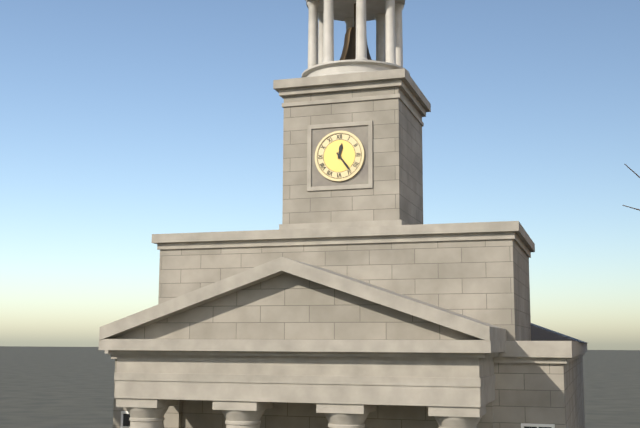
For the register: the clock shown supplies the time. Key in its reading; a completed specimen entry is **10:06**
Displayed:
**12:24**
